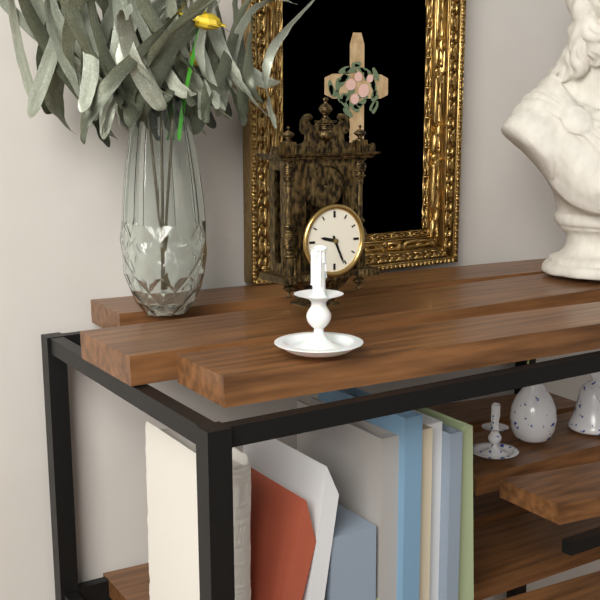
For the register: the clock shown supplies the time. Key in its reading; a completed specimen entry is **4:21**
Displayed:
**9:26**
